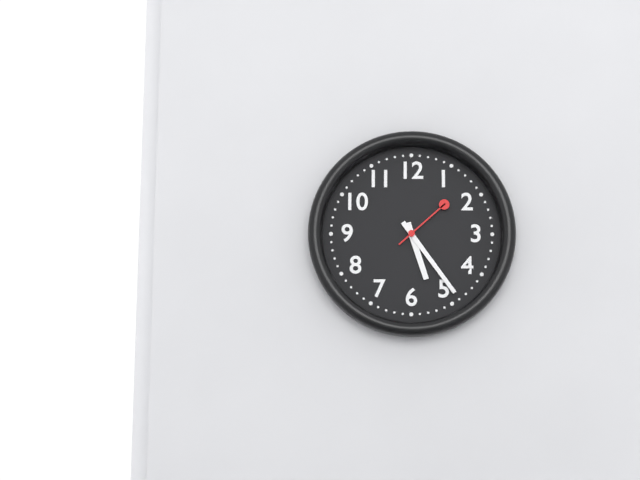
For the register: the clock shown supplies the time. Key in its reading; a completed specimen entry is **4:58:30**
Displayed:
**5:24:08**
